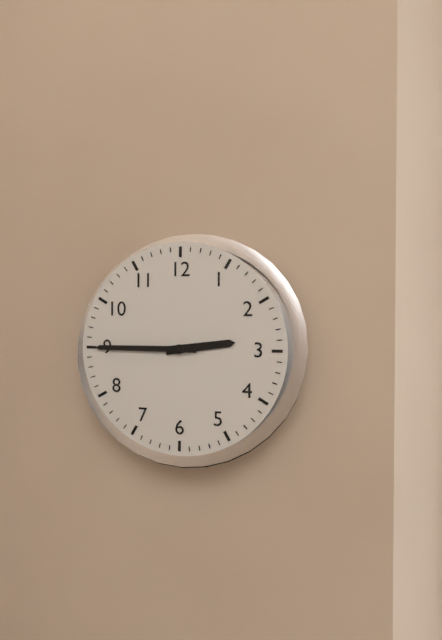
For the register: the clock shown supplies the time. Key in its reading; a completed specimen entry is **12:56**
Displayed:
**2:45**
